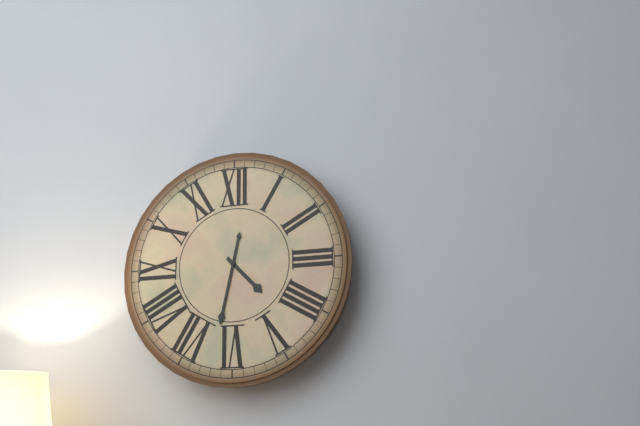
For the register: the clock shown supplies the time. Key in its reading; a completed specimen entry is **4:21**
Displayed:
**4:32**
